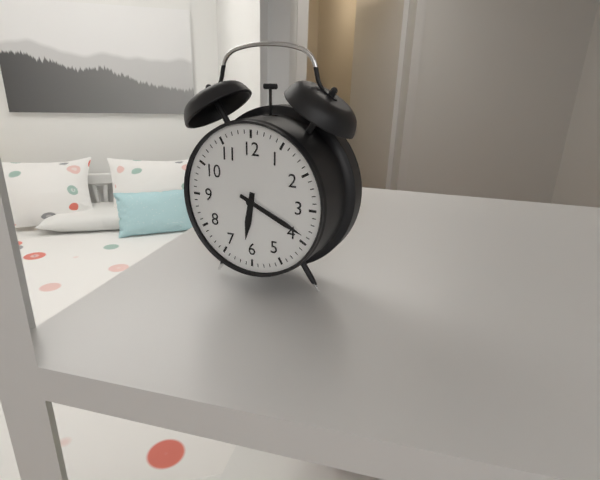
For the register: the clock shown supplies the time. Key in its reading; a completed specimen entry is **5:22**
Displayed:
**6:19**
